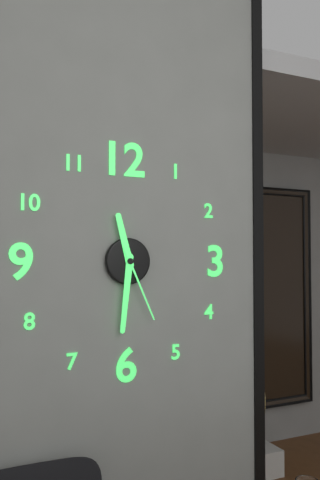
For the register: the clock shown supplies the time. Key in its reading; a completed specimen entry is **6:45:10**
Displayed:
**11:31:26**
